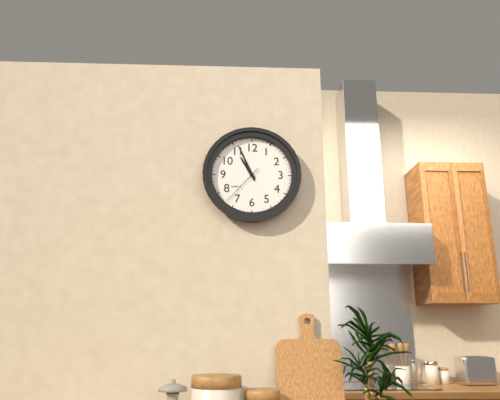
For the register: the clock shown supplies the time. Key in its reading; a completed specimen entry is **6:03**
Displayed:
**10:56**
